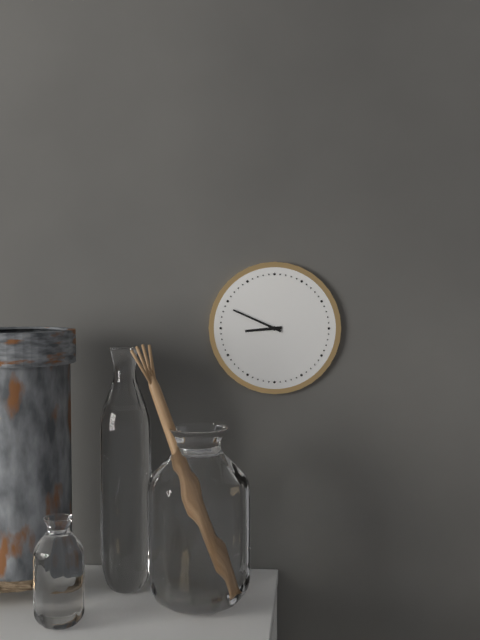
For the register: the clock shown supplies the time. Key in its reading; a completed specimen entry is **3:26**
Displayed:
**8:49**
